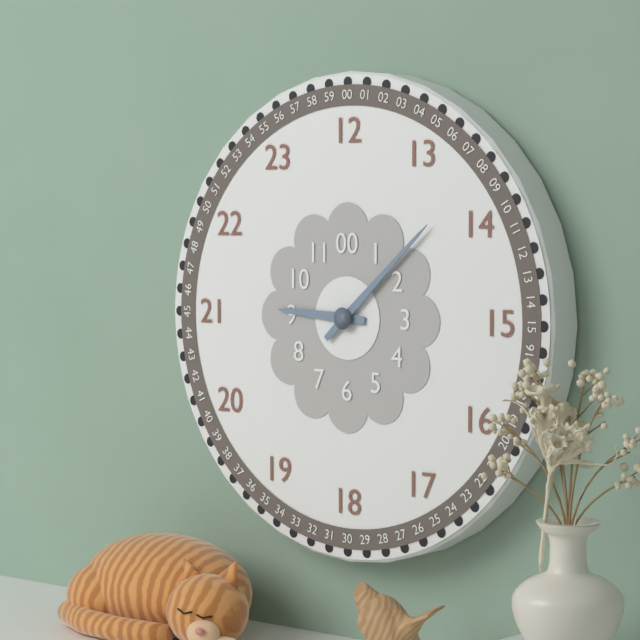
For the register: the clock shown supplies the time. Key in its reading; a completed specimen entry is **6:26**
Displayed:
**9:08**
